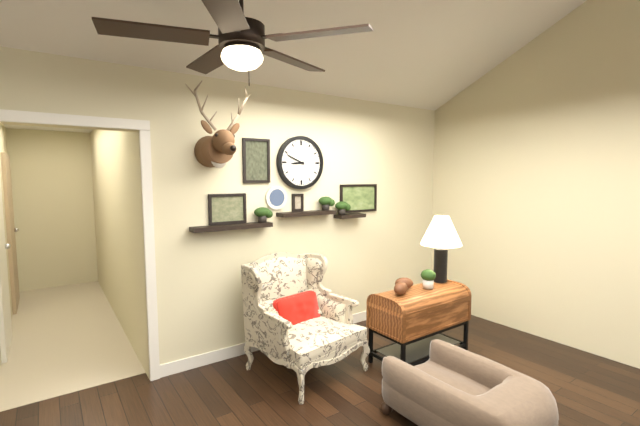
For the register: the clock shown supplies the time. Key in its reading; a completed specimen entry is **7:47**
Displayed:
**8:49**
